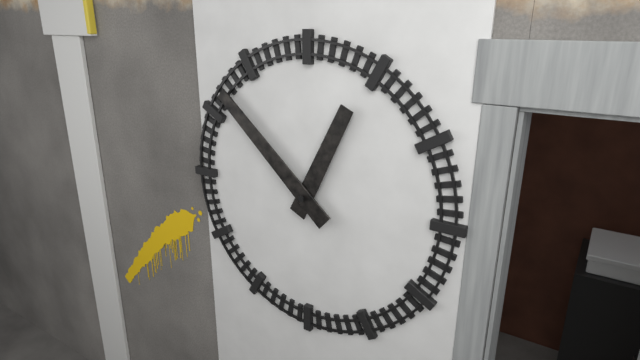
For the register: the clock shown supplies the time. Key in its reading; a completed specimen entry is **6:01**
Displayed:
**12:52**
